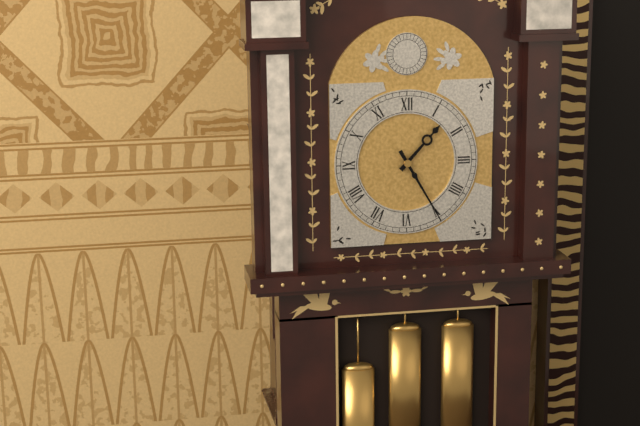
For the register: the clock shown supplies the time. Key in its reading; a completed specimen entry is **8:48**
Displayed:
**1:25**
